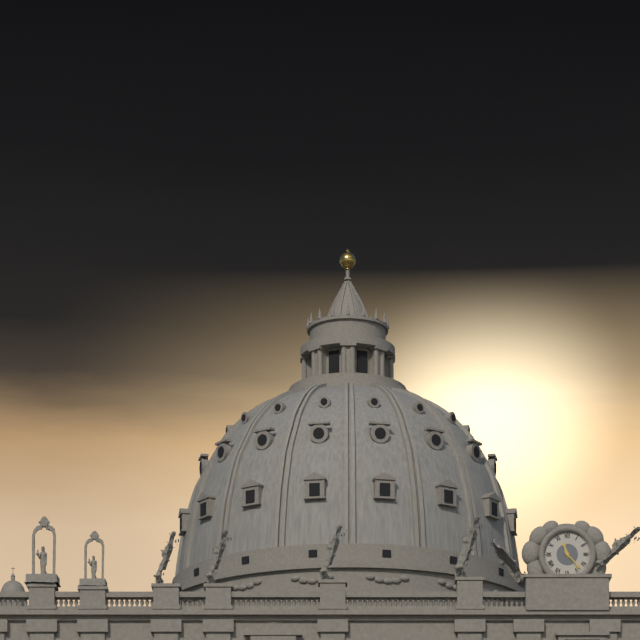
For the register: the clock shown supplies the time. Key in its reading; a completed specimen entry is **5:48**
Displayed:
**11:23**
